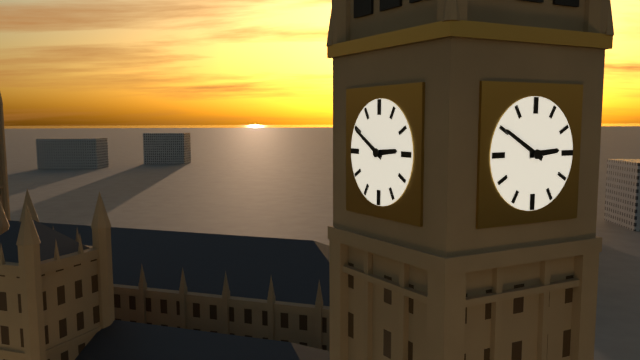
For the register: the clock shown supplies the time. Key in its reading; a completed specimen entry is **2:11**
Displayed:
**2:50**
